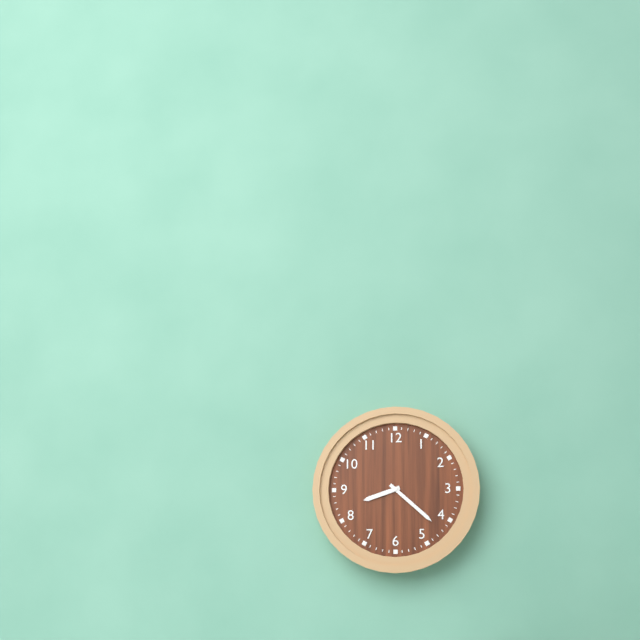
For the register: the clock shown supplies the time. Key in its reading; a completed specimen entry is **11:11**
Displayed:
**8:22**
